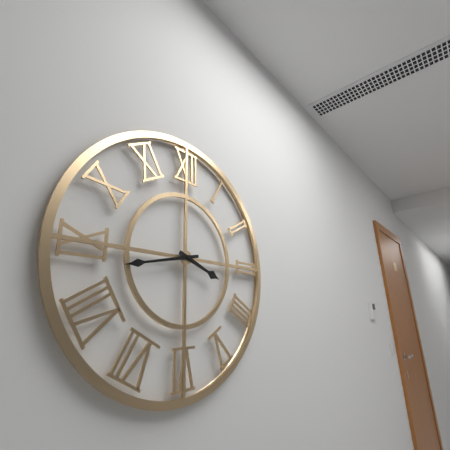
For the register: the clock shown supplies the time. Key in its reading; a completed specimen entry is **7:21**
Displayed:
**3:43**
